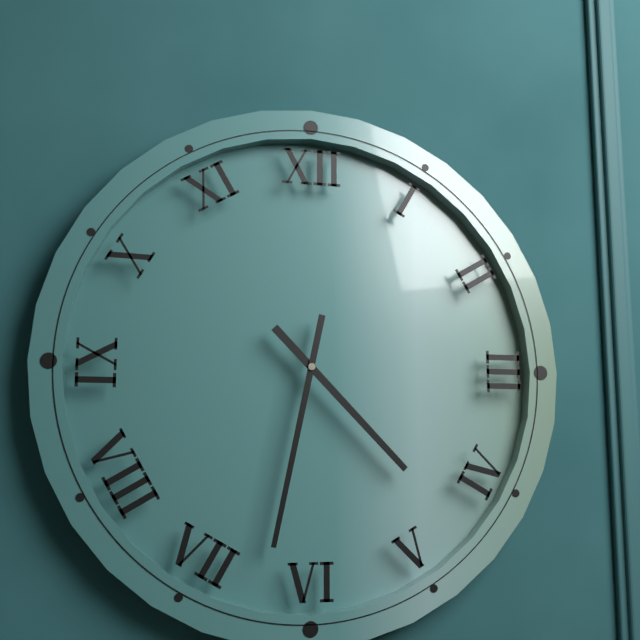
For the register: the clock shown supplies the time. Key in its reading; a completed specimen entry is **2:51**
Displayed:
**4:32**
